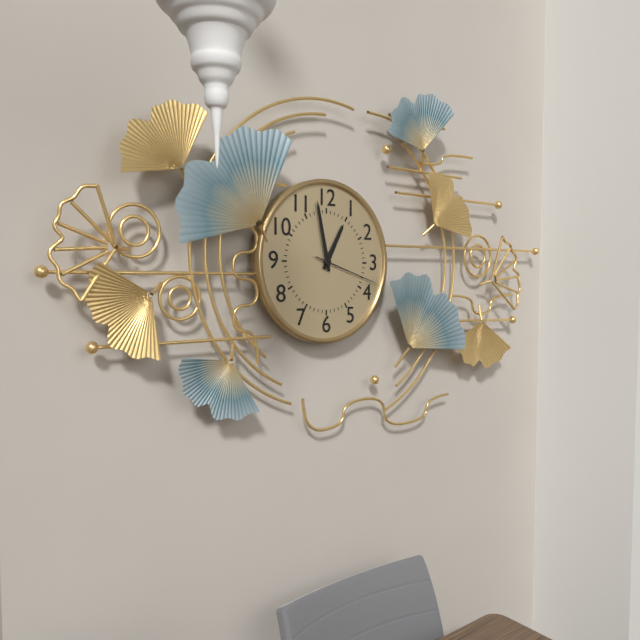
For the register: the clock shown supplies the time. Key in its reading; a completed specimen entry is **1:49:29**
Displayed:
**12:58:18**
